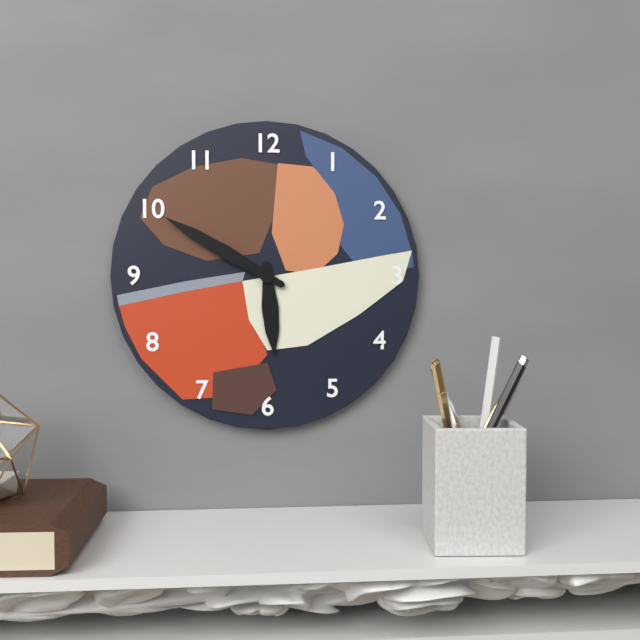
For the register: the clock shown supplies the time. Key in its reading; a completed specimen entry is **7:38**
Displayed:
**5:50**
